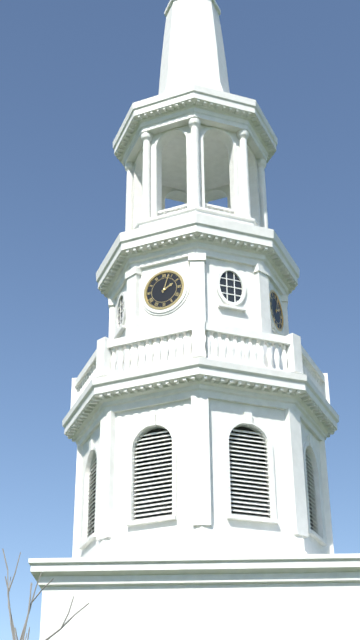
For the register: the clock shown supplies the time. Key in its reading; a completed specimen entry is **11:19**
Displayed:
**2:03**
